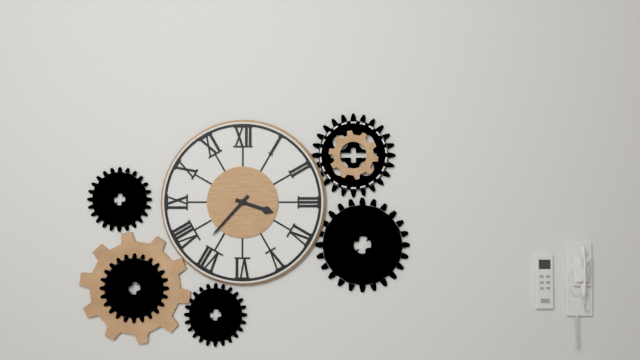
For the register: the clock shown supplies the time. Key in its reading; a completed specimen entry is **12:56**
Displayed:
**3:37**
